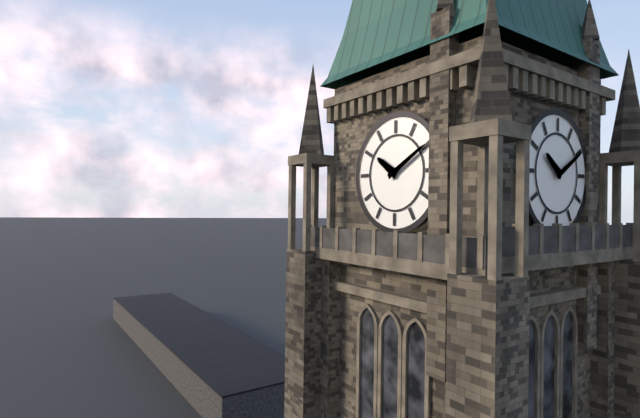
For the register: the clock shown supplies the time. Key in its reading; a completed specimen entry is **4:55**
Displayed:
**10:10**
